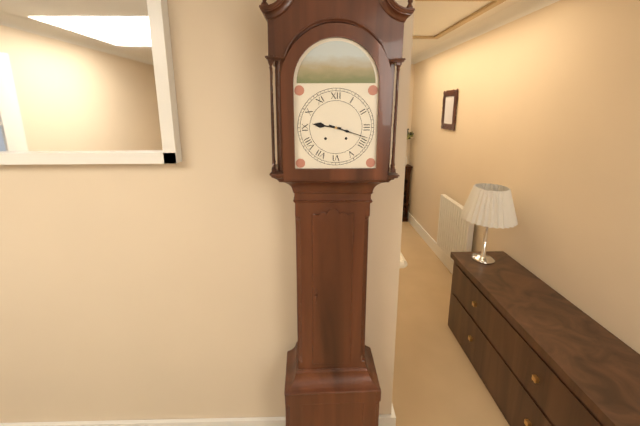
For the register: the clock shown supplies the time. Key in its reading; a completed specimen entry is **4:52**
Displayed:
**9:18**
